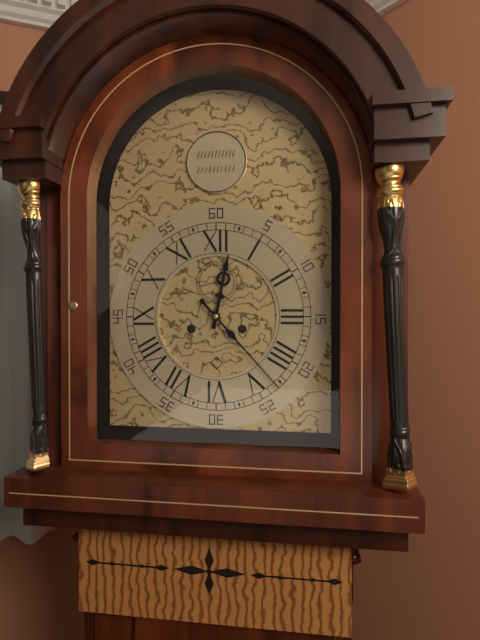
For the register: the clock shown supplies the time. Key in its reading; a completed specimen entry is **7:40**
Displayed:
**12:23**
